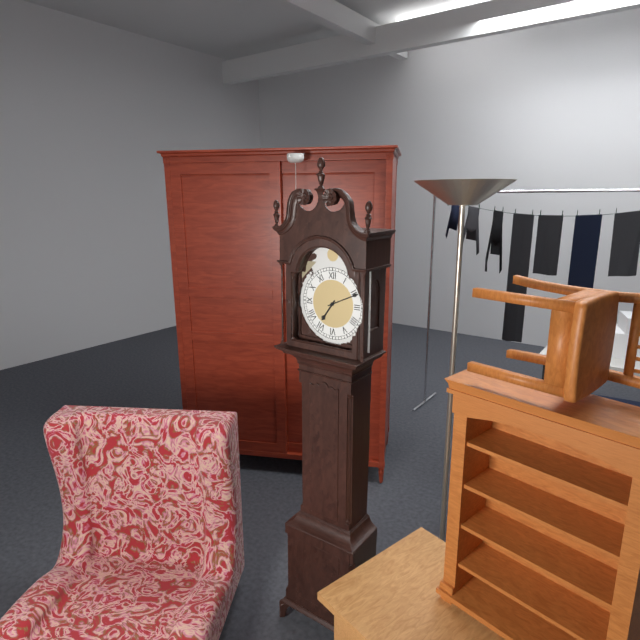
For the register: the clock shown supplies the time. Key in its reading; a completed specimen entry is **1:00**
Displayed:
**7:11**
